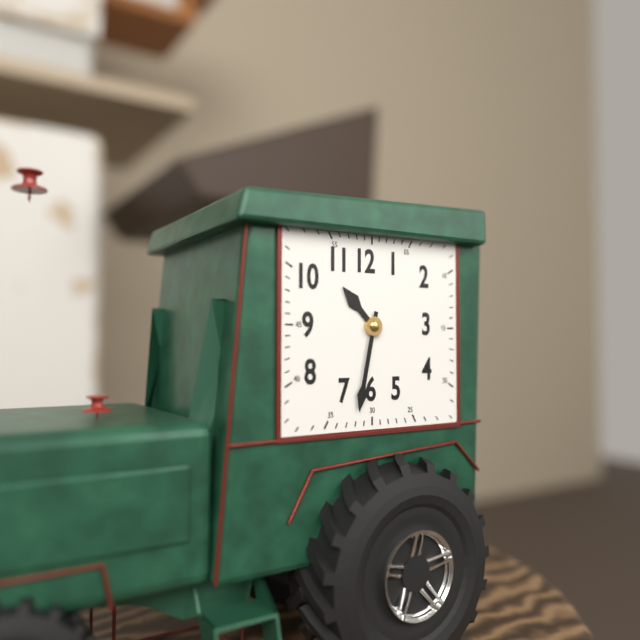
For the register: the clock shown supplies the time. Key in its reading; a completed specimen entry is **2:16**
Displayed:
**10:32**
